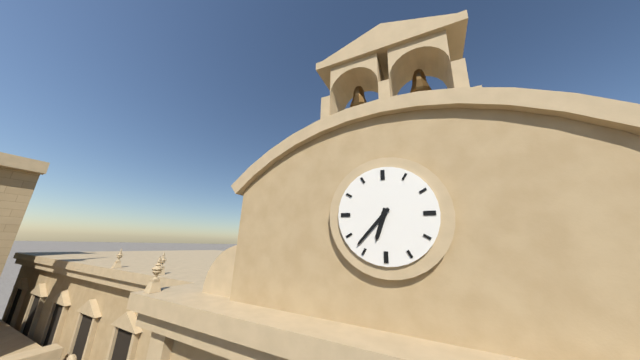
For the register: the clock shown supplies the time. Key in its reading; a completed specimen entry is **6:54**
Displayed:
**6:37**
